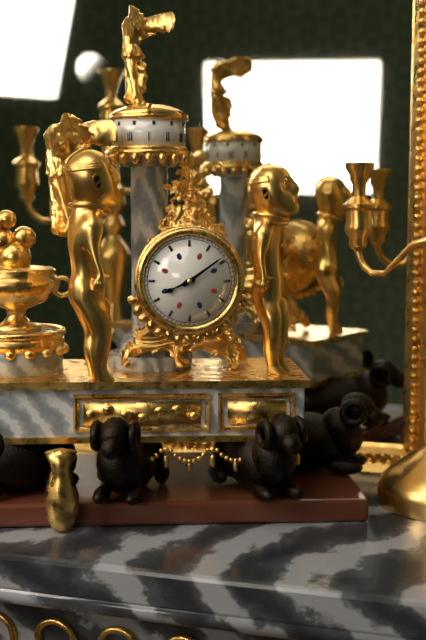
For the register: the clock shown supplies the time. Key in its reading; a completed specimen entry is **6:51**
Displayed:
**8:09**
